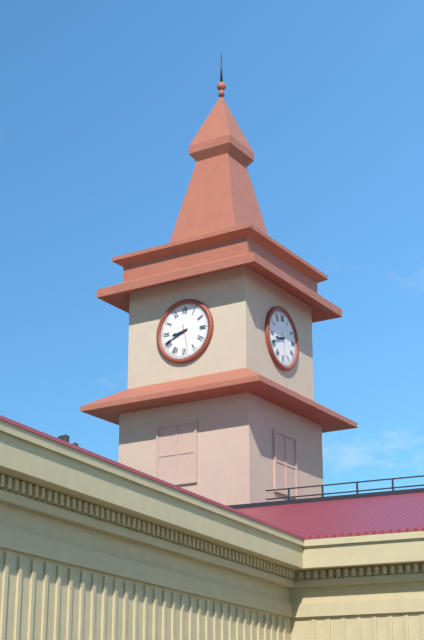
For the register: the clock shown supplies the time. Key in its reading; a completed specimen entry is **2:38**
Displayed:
**8:41**
